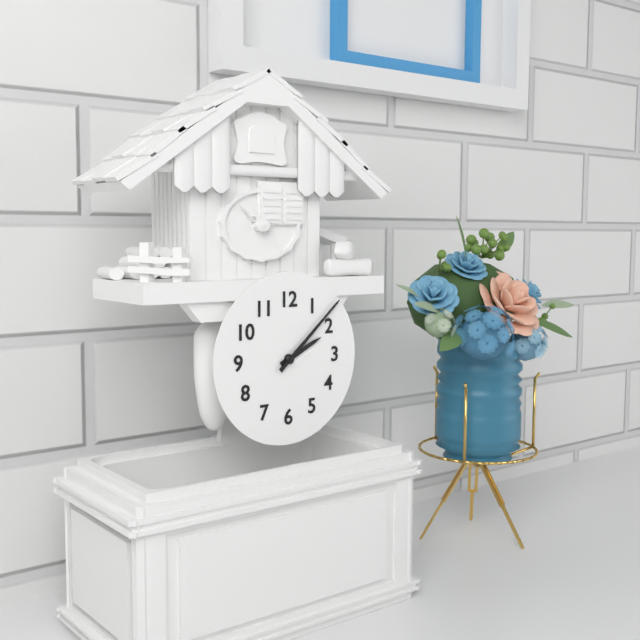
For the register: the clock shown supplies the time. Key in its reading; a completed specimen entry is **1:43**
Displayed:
**2:08**
